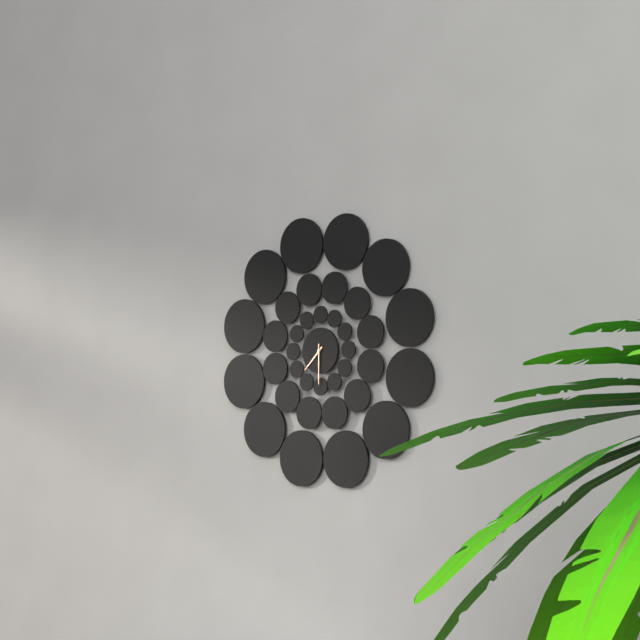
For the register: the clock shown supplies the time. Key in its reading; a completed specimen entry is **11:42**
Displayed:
**7:30**
